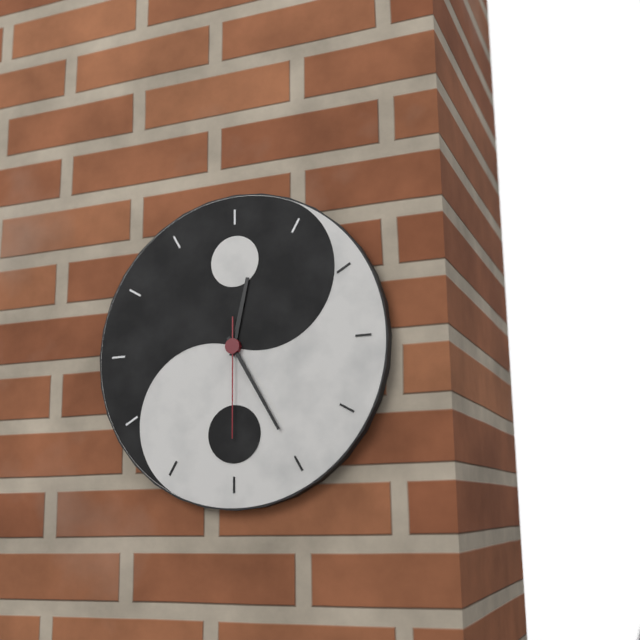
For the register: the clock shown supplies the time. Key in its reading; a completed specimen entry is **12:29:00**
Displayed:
**12:25:30**
